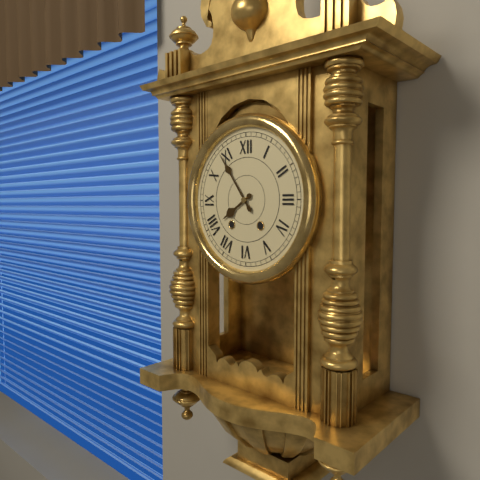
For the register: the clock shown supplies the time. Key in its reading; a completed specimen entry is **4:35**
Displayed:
**7:54**
